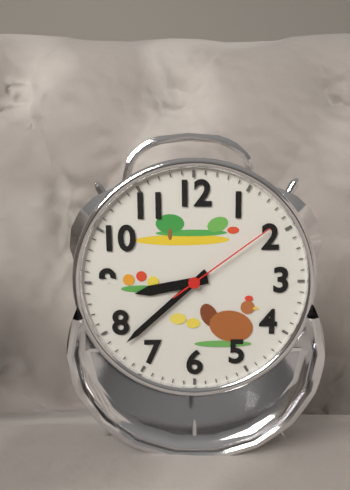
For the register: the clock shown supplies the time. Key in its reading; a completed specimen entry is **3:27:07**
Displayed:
**8:38:09**
